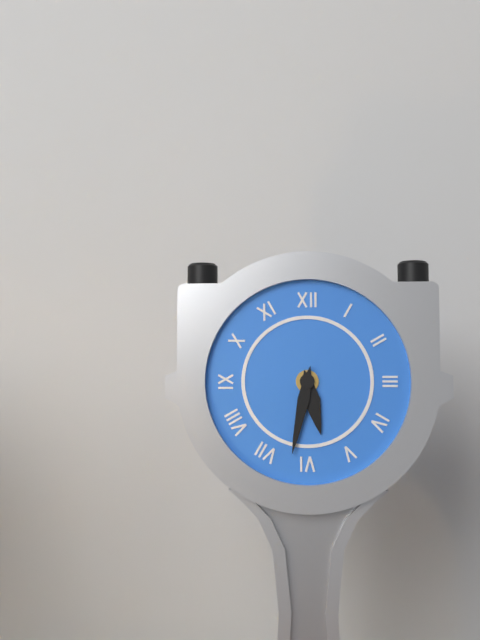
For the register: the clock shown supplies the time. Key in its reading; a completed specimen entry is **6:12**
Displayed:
**5:32**
